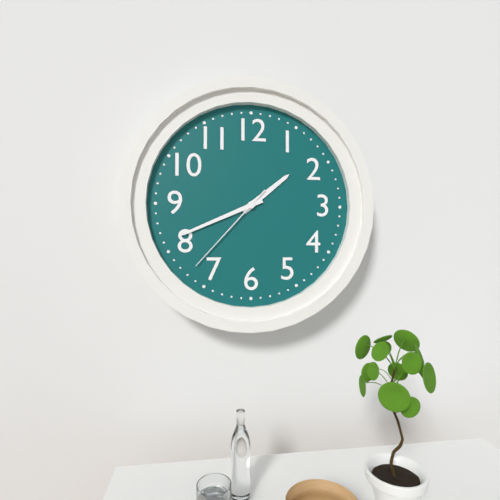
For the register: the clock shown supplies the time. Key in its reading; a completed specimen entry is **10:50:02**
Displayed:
**1:41:37**
